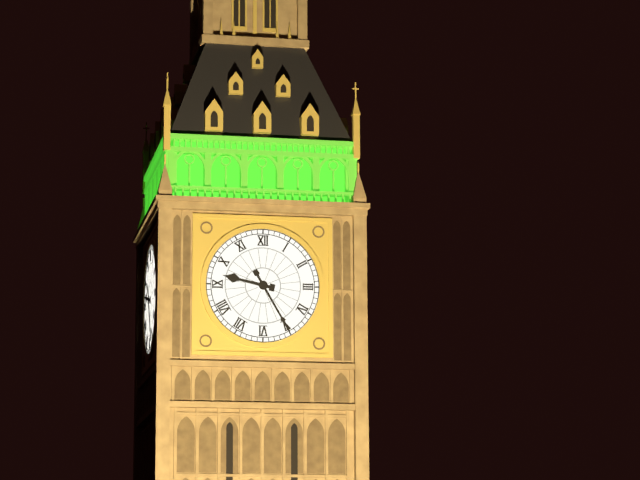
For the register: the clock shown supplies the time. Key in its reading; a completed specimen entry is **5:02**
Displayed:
**9:25**
